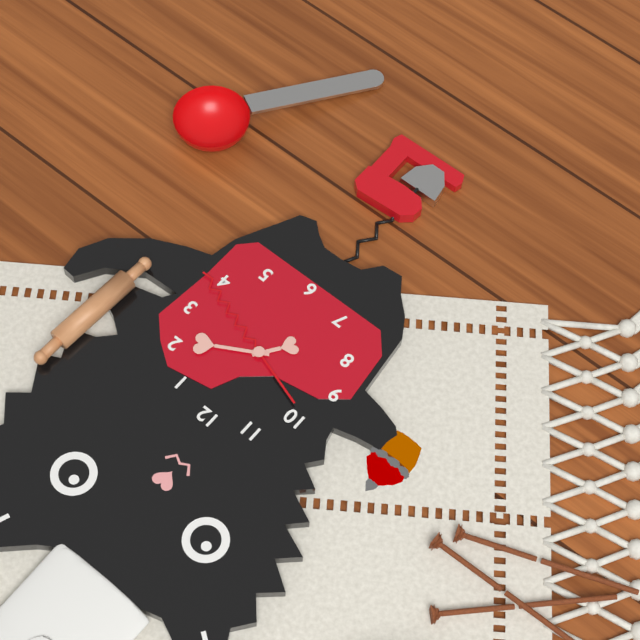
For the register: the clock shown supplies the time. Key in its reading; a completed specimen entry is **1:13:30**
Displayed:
**7:10:18**
